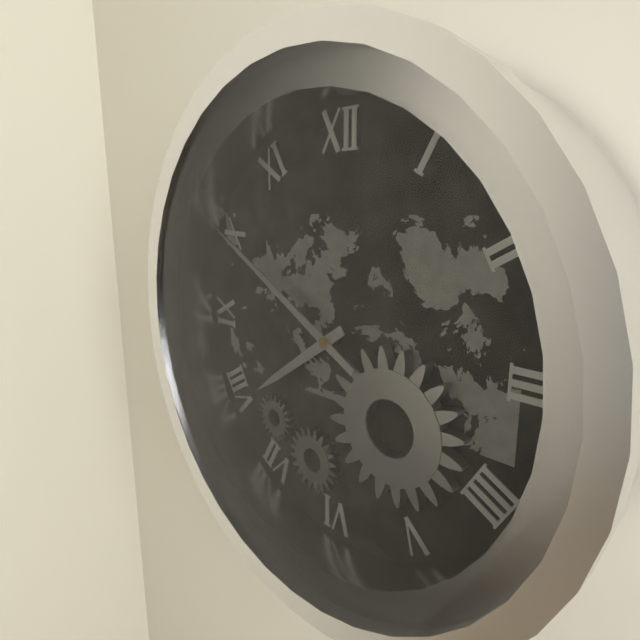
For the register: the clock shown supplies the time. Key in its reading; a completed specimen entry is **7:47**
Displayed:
**7:50**
